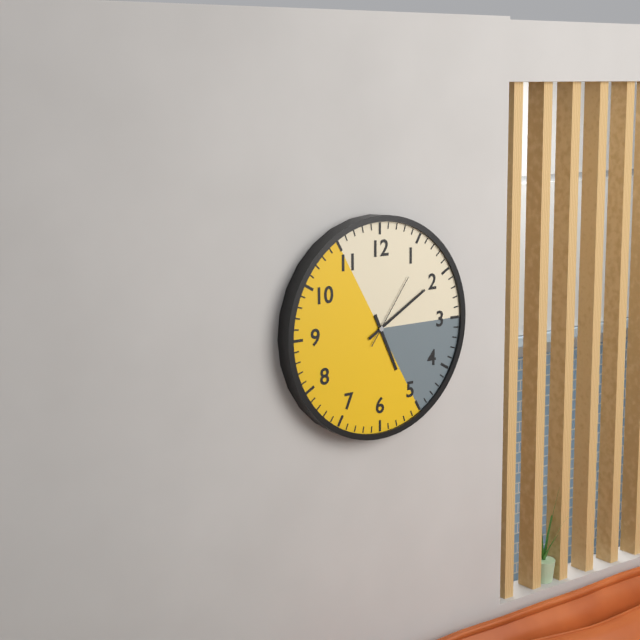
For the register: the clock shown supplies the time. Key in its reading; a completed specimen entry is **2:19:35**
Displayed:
**5:10:06**
